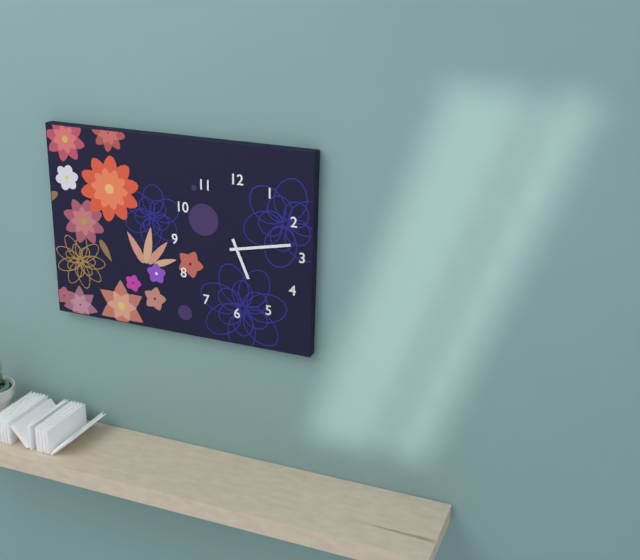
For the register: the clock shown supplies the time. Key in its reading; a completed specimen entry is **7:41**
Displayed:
**5:13**
